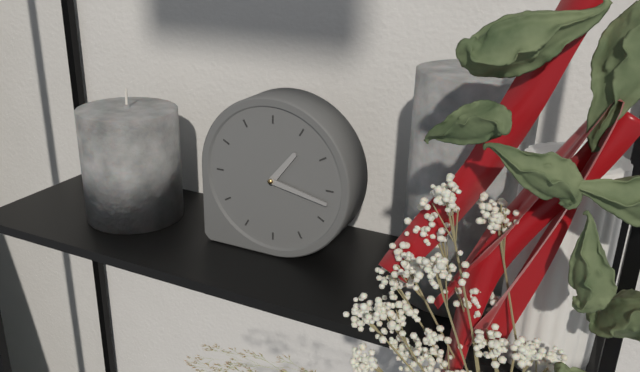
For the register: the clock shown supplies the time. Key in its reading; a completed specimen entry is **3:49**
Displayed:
**1:17**
